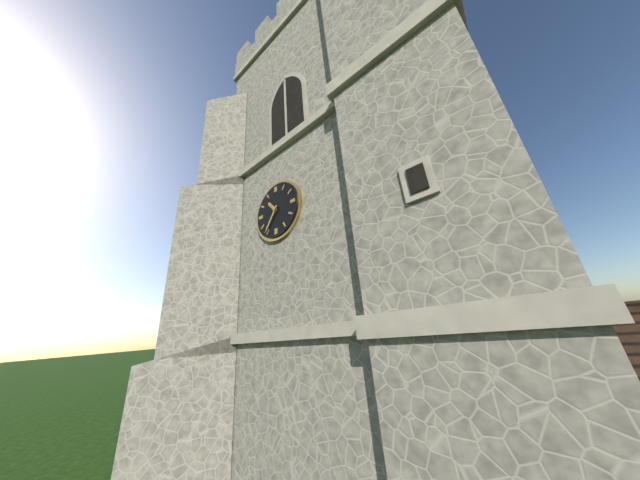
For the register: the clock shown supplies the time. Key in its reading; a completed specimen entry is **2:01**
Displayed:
**10:36**
